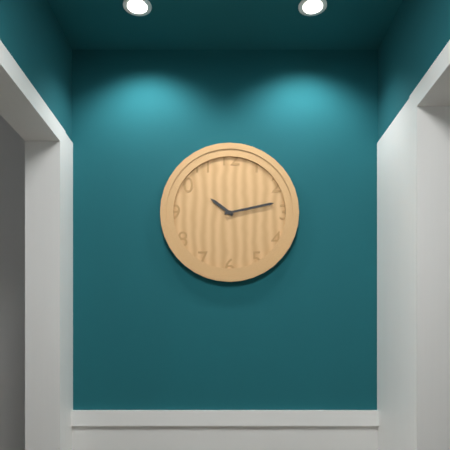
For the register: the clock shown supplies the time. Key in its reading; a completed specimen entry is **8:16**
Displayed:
**10:13**
